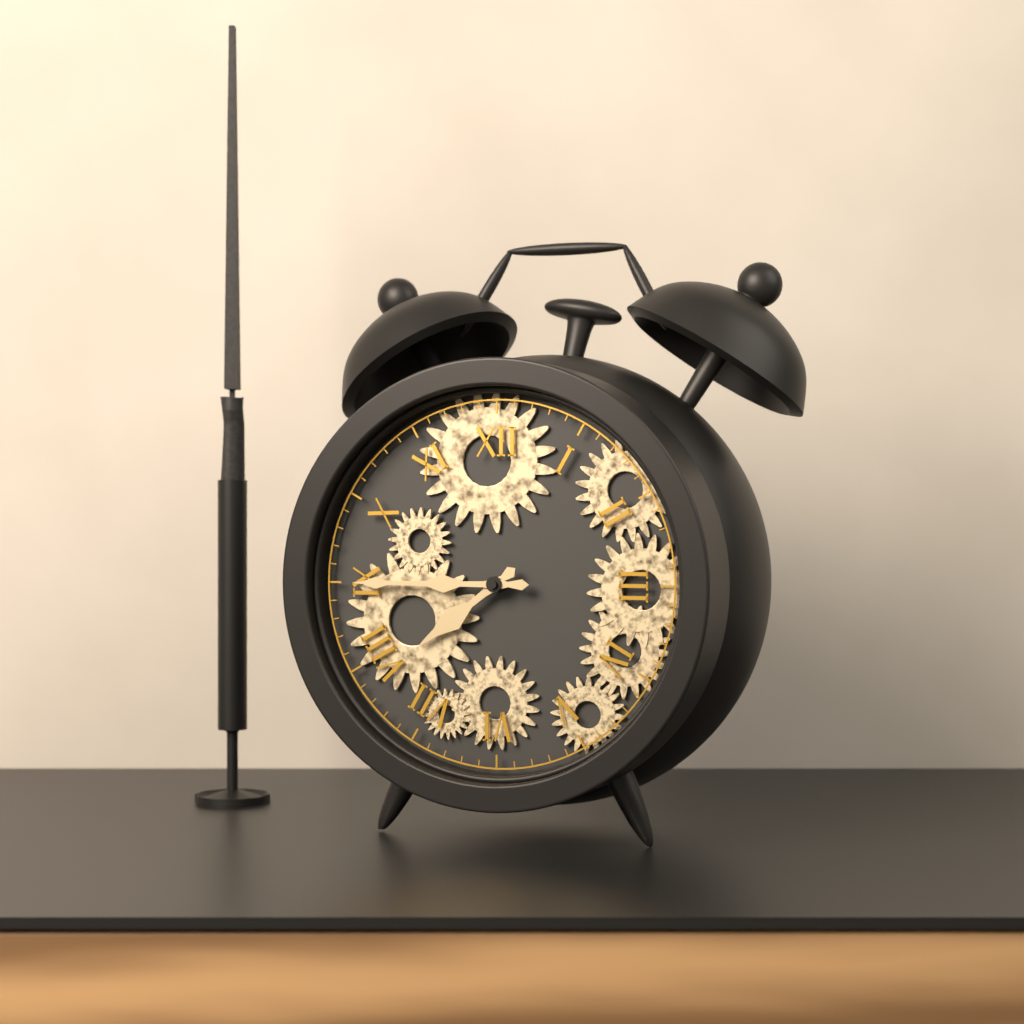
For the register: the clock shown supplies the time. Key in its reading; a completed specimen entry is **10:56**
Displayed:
**7:45**
